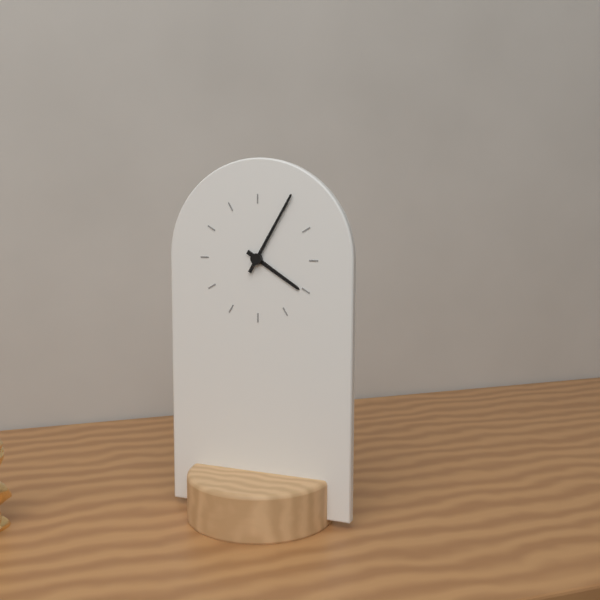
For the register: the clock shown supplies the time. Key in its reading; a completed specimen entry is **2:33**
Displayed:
**4:05**
